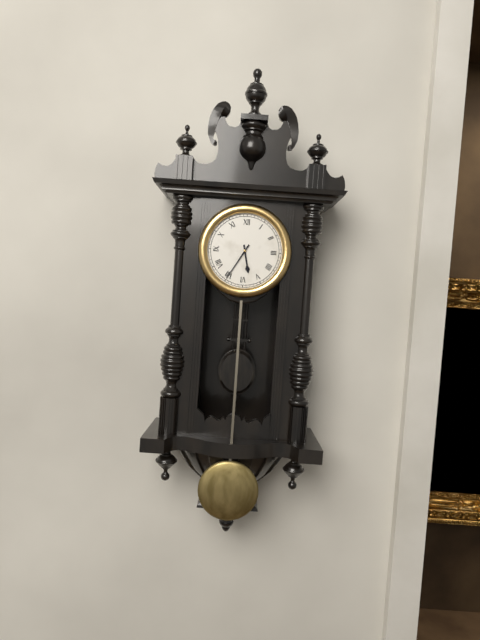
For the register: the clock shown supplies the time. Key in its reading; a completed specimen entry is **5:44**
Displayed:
**5:35**
